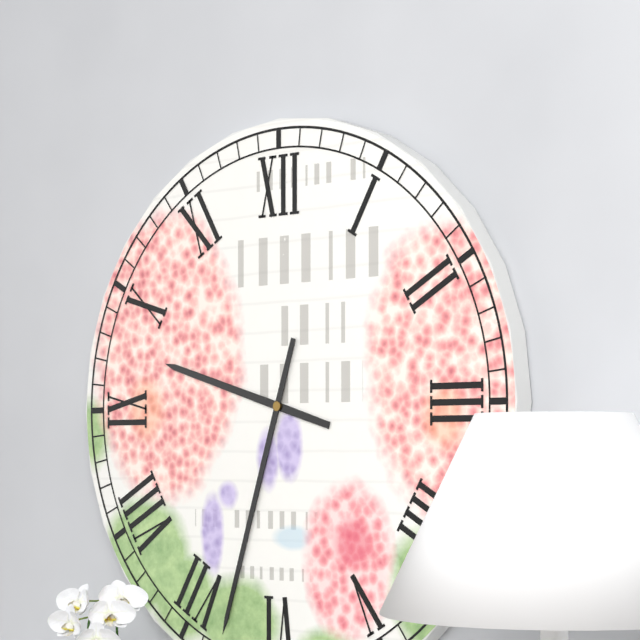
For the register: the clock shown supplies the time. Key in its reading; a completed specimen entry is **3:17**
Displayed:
**9:33**
